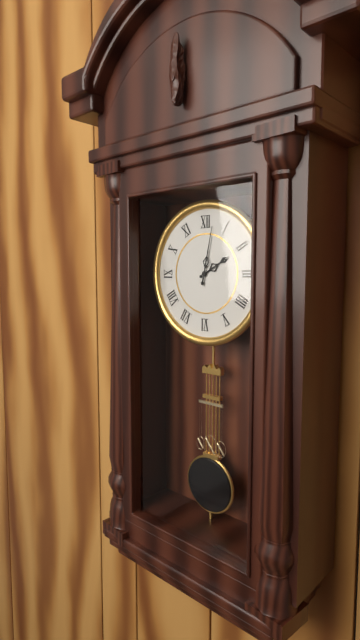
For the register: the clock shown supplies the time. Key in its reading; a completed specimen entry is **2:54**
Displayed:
**2:02**
